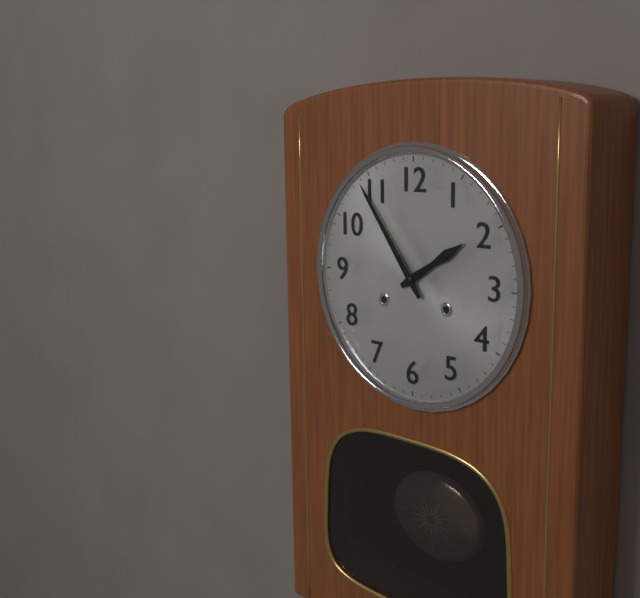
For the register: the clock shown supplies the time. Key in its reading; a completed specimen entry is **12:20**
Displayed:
**1:54**
